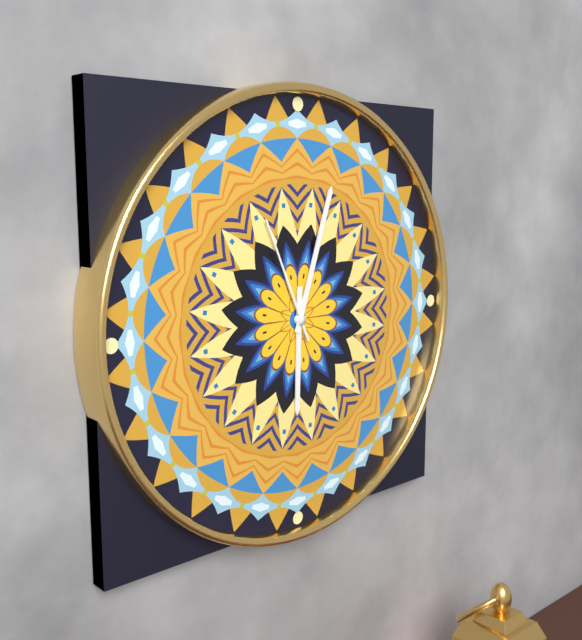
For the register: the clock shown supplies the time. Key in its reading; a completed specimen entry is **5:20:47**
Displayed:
**6:03:56**
